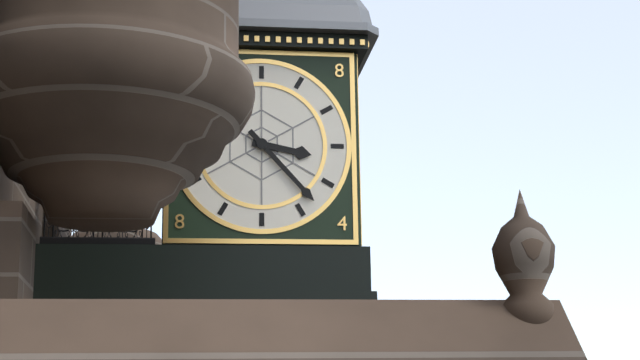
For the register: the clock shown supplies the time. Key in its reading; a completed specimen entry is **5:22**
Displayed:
**3:23**
